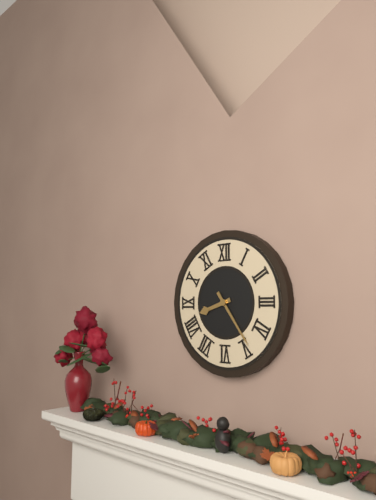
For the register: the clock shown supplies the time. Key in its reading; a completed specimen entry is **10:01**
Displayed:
**8:24**
